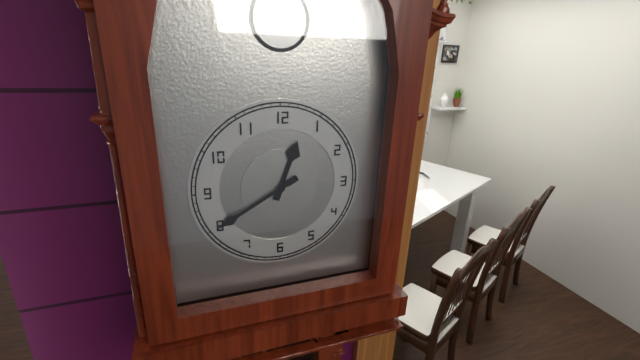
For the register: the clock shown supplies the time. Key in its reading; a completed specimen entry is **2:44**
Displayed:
**12:40**
